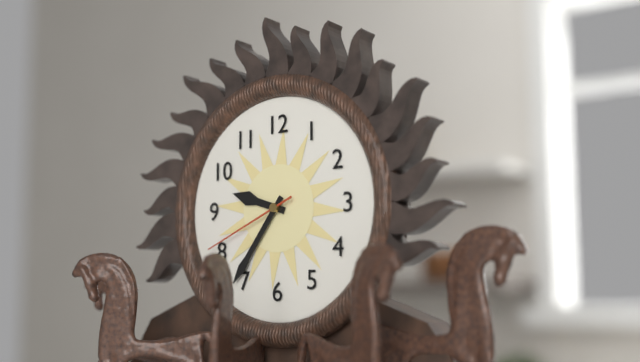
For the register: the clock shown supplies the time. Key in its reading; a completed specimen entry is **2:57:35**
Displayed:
**9:36:41**
